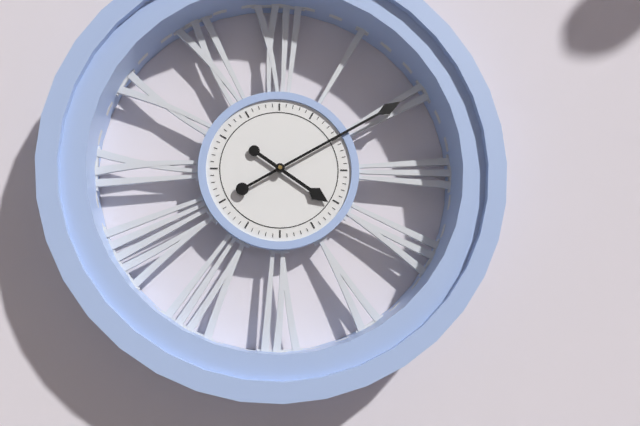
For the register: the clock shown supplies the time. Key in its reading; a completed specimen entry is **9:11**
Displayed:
**4:10**
